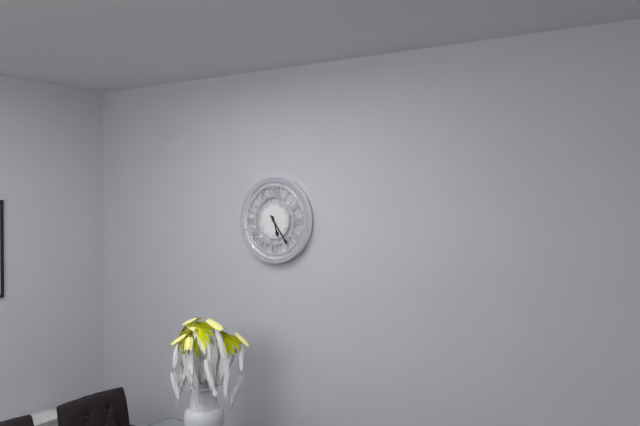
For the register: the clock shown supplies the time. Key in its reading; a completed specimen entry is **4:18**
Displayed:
**5:24**
